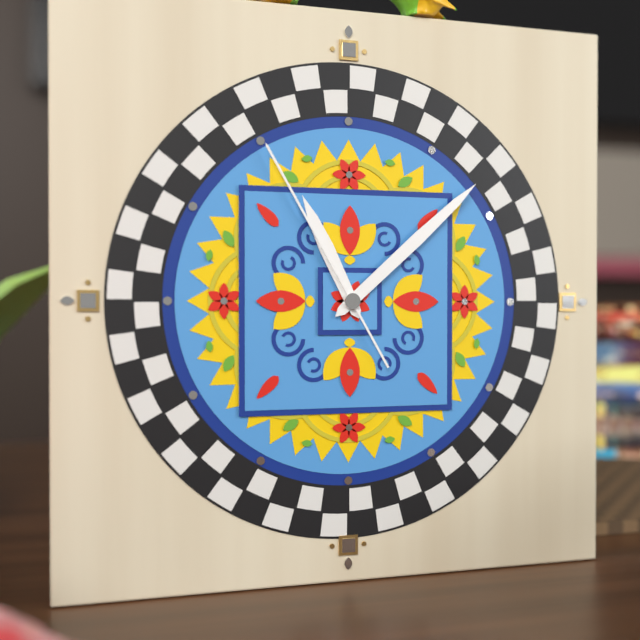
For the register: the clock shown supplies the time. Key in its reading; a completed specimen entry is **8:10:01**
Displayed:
**11:08:55**
